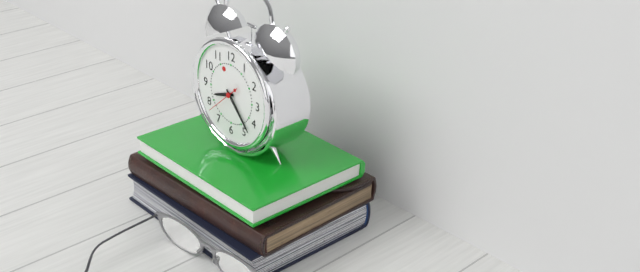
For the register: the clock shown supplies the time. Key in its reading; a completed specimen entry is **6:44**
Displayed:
**8:23**
